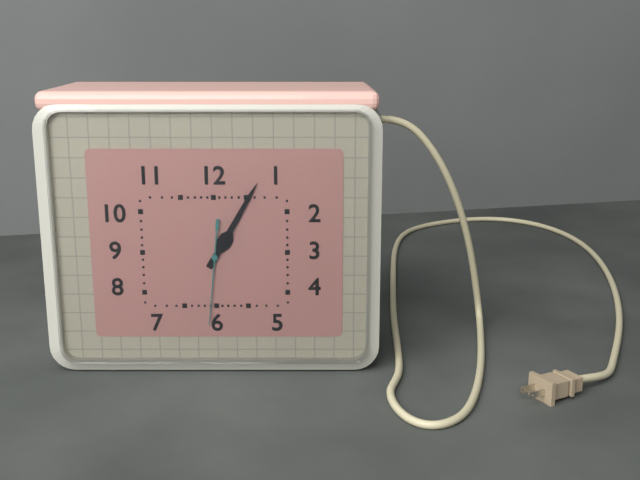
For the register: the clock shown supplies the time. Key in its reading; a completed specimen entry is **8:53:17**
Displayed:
**1:05:31**
